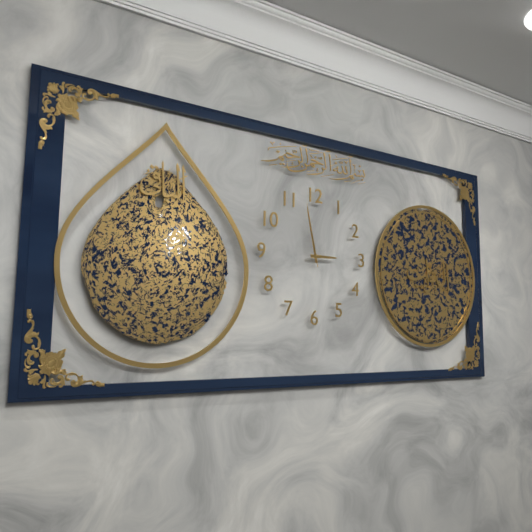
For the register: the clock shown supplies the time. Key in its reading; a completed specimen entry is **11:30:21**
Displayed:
**2:58:58**
